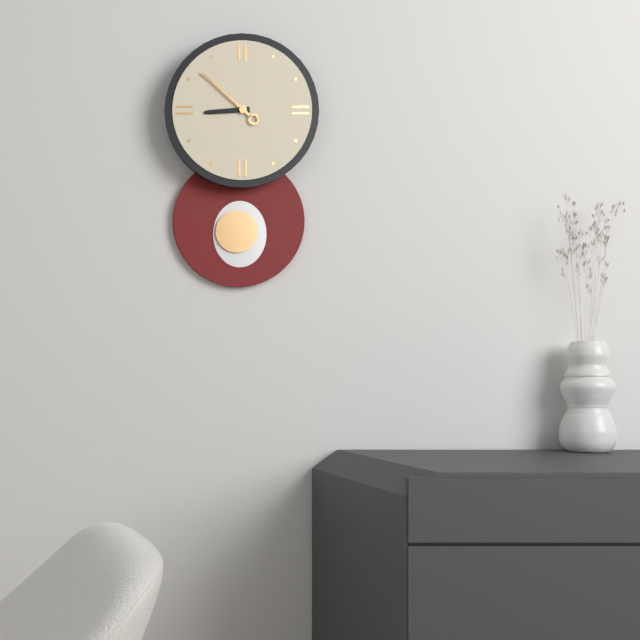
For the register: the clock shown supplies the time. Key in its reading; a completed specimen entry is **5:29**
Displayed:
**8:52**
